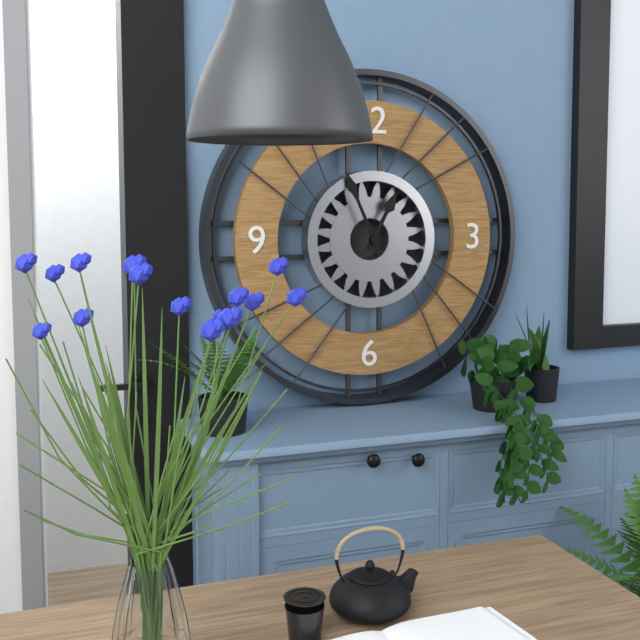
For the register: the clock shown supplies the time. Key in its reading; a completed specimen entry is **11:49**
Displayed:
**12:56**
